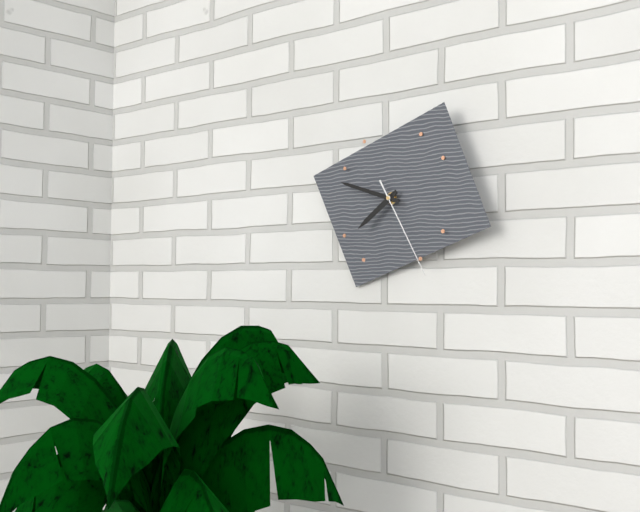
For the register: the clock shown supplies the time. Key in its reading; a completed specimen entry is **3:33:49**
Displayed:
**7:48:25**
